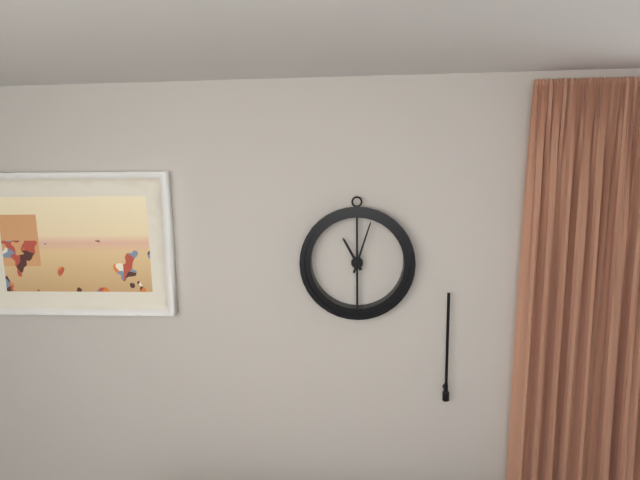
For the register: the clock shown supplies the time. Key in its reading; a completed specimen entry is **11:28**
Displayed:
**11:03**
